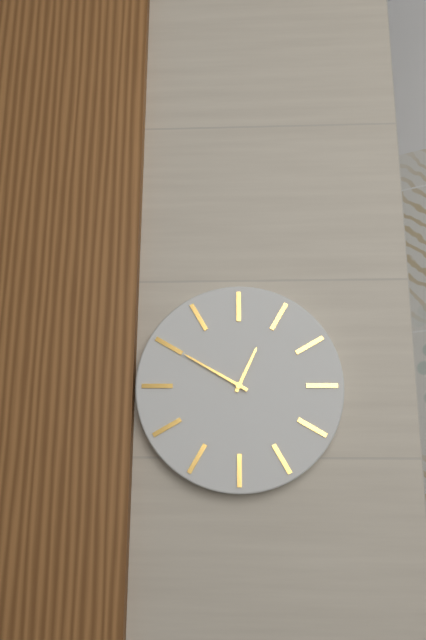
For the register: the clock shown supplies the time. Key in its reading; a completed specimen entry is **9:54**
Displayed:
**12:50**
